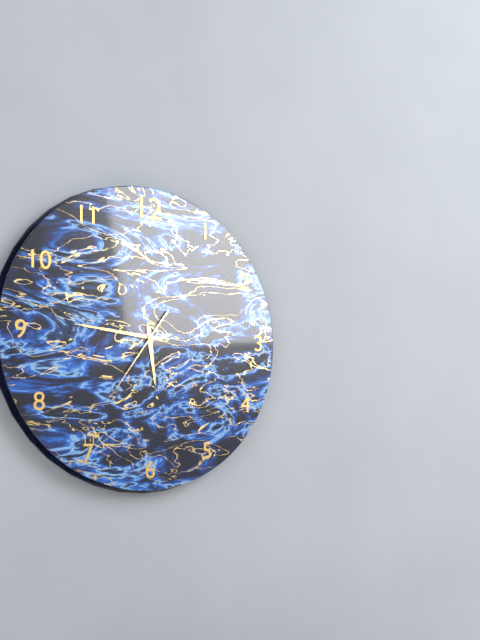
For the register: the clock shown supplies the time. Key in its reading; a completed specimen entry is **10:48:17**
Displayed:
**5:46:36**
